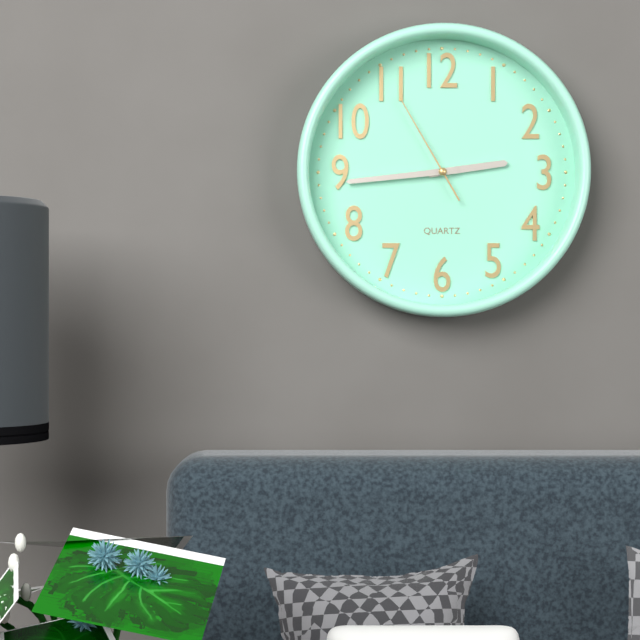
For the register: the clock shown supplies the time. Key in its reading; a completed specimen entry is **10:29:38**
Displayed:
**2:44:55**
